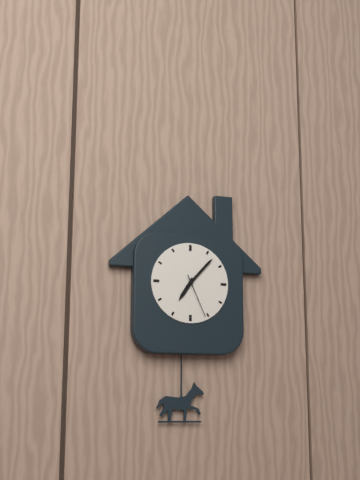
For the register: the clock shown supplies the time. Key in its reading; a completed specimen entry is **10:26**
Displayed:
**7:07**
